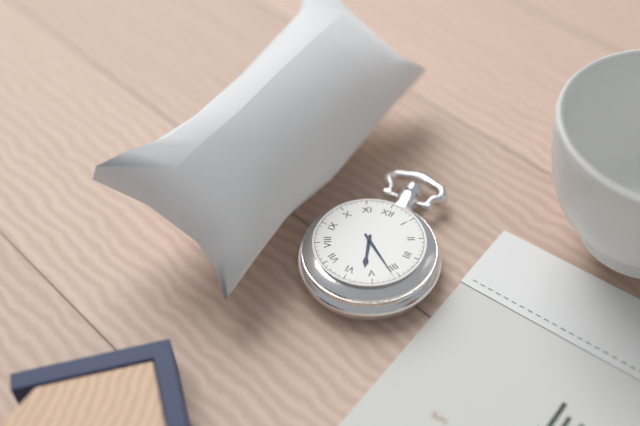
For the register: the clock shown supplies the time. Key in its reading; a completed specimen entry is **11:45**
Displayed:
**5:21**
